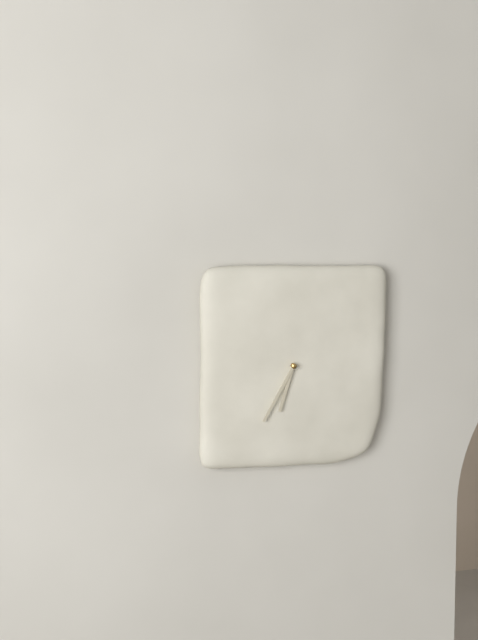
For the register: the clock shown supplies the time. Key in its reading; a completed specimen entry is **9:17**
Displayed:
**6:35**
